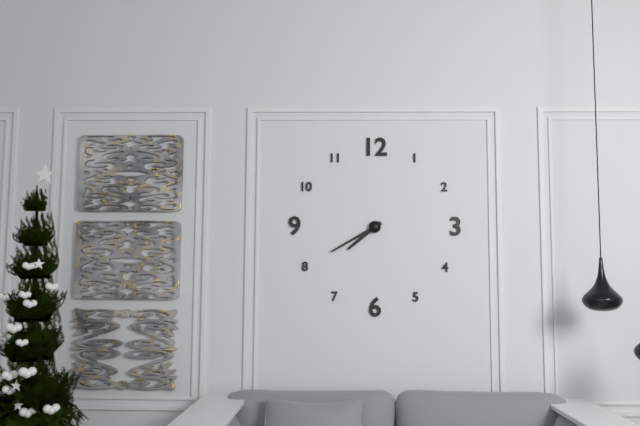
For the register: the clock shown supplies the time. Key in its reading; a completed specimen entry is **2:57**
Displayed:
**7:40**
